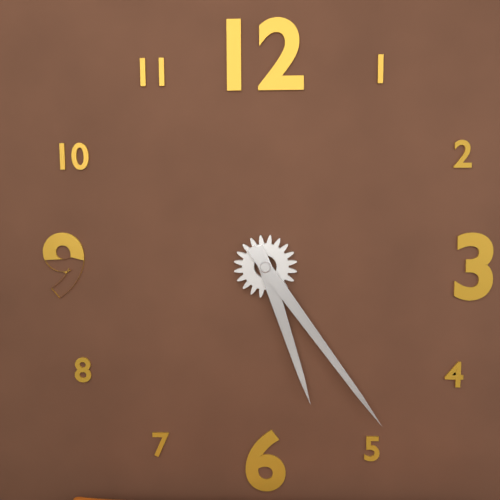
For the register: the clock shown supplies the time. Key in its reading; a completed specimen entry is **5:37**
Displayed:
**5:24**
